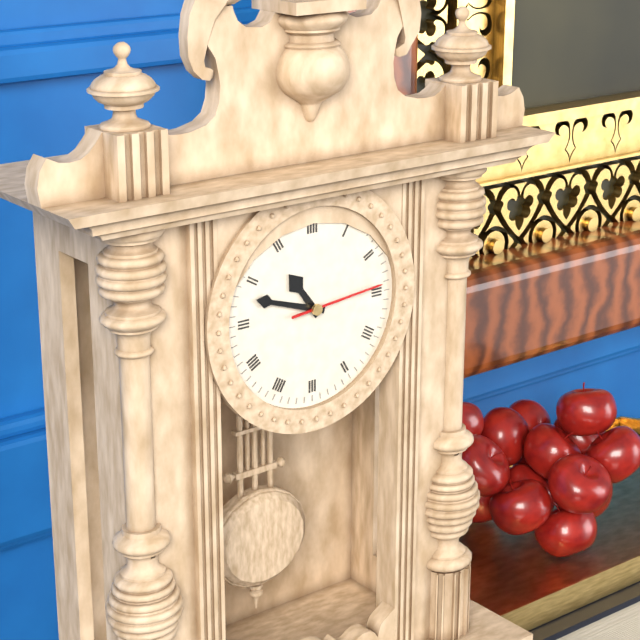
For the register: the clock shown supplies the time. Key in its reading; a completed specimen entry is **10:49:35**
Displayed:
**10:48:14**
